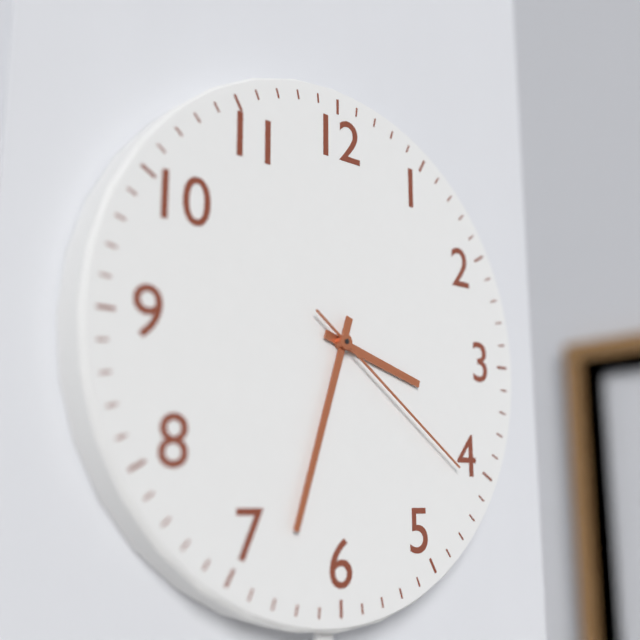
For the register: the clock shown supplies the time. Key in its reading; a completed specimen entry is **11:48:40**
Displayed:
**3:33:21**
